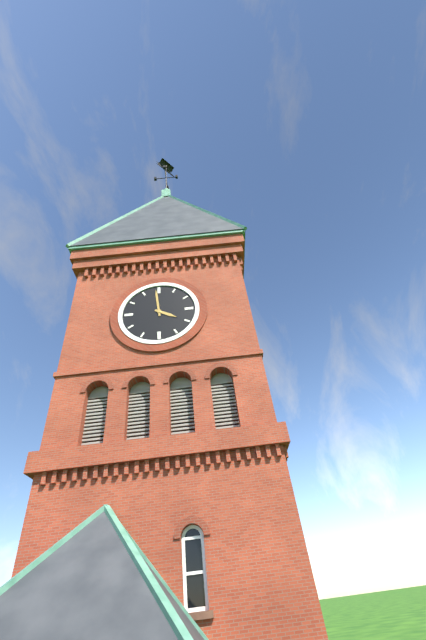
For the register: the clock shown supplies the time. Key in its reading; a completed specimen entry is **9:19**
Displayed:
**3:59**
